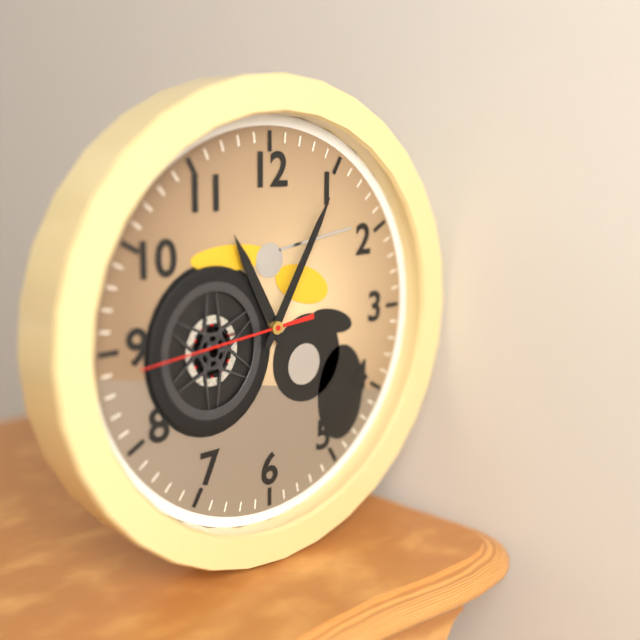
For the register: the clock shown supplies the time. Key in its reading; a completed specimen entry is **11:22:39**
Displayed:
**11:05:44**
